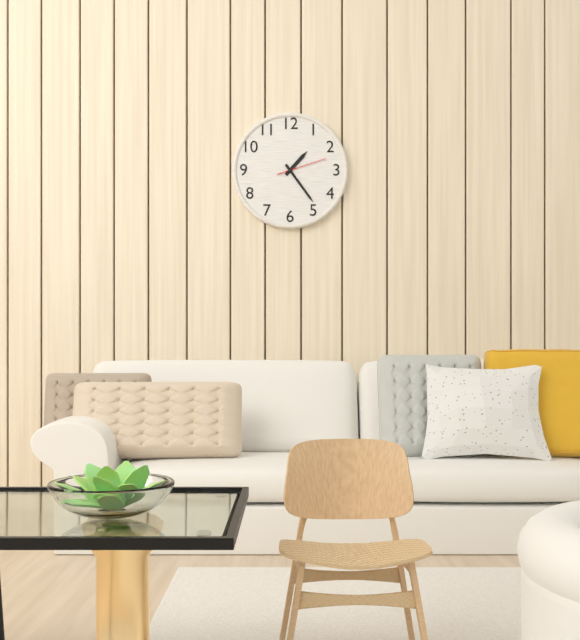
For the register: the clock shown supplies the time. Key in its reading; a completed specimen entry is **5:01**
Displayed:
**1:24**
